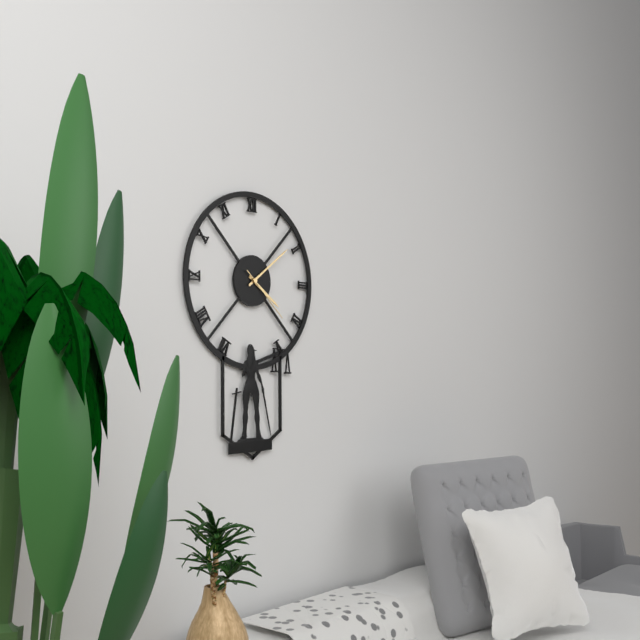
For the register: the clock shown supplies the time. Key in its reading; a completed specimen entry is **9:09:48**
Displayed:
**4:09:22**
